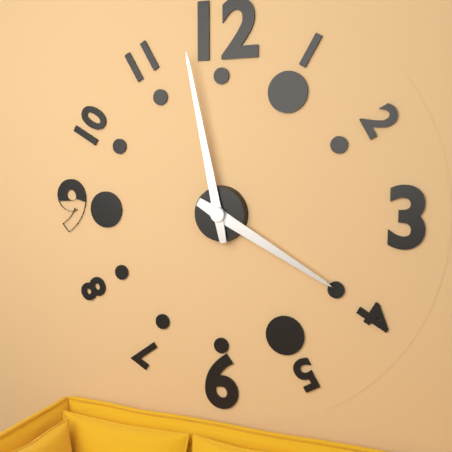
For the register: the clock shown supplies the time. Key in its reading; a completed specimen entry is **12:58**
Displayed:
**3:58**
